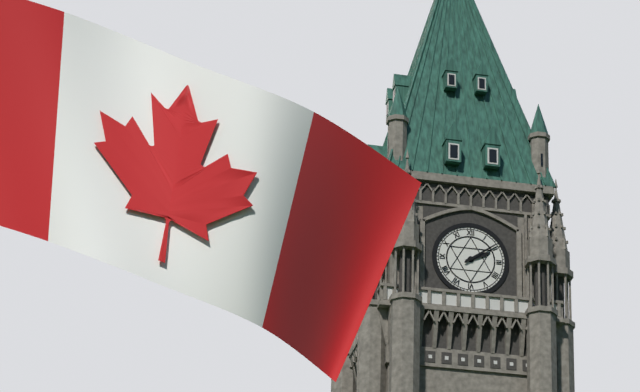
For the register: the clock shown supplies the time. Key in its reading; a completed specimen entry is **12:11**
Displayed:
**2:09**
